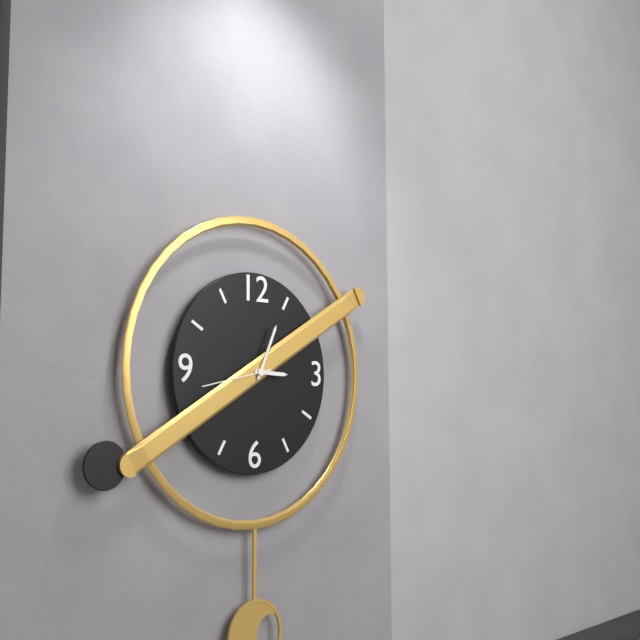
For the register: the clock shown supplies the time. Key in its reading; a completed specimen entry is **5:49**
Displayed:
**3:04**
